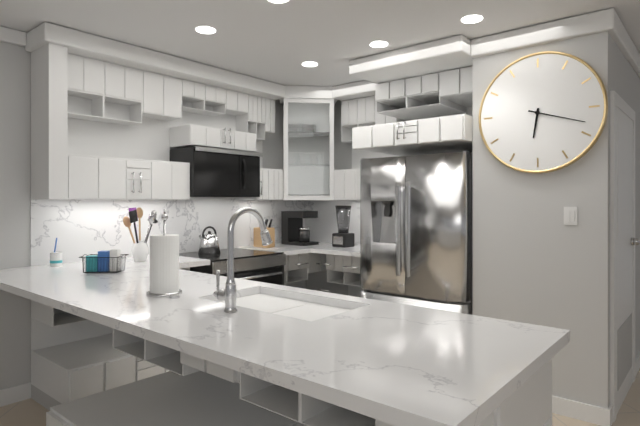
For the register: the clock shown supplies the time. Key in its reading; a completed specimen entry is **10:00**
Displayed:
**6:18**
